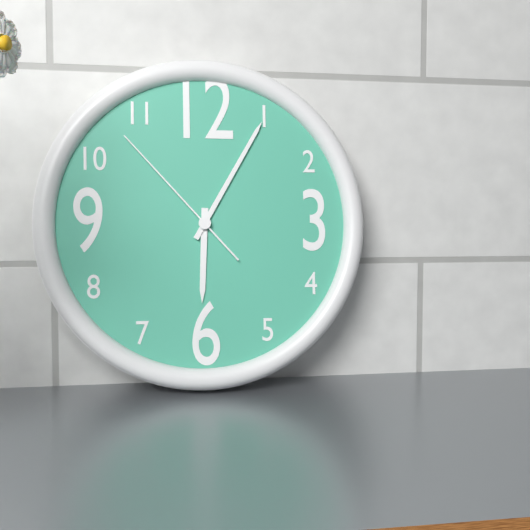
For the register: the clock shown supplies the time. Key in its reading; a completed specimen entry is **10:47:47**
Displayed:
**6:05:53**
